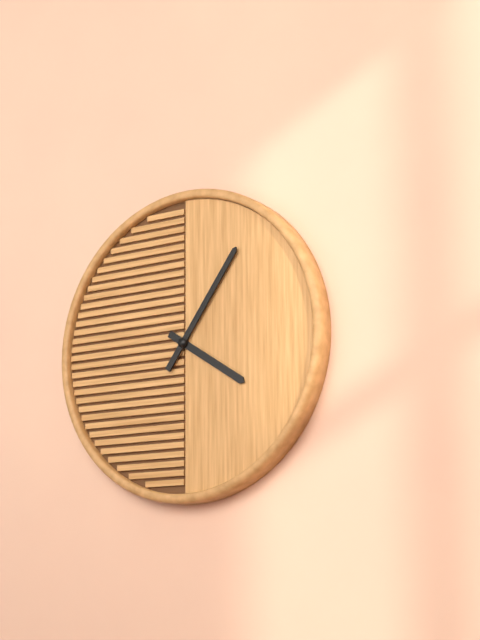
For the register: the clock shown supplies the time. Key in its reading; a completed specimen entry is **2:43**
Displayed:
**4:06**
